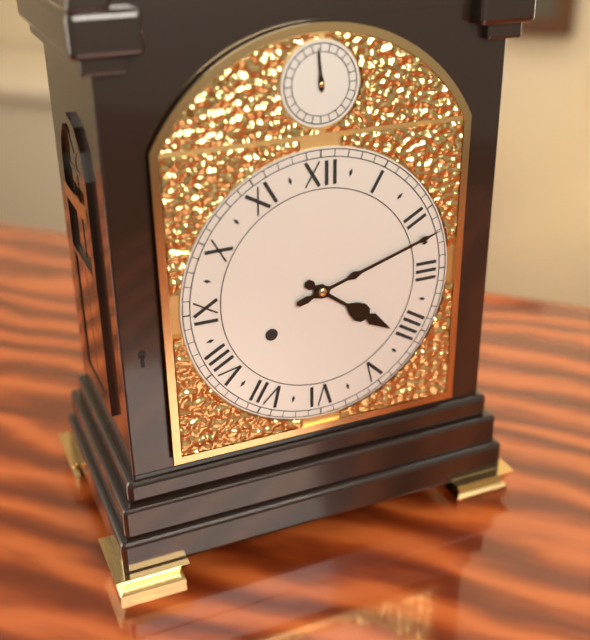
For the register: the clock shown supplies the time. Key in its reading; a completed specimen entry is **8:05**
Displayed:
**4:12**
